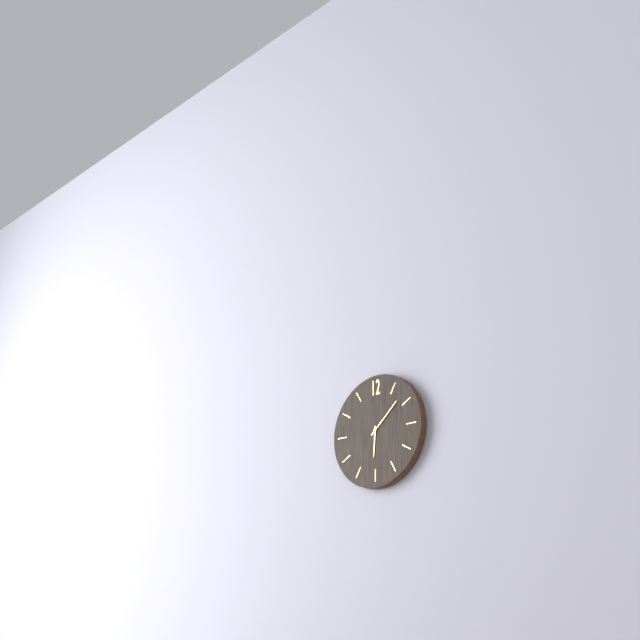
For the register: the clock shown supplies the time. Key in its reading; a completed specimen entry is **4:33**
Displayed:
**6:08**
